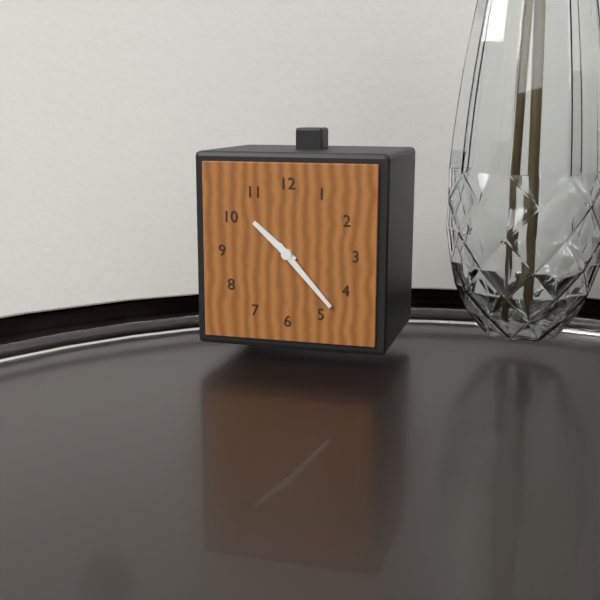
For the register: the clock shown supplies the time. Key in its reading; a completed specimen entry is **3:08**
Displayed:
**10:23**
